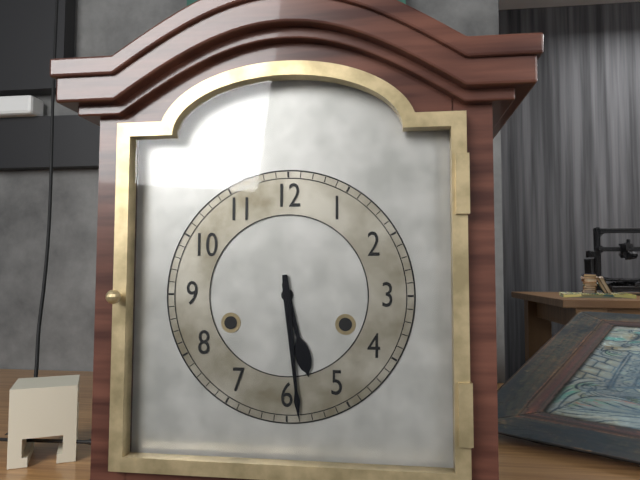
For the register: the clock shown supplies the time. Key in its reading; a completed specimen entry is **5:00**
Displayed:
**5:29**
